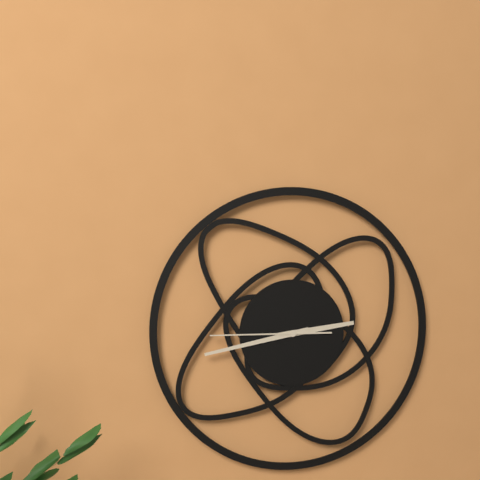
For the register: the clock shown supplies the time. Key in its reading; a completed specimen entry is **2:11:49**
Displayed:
**2:43:45**
